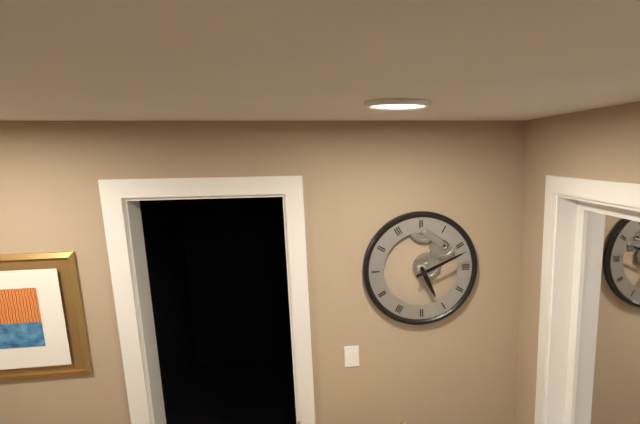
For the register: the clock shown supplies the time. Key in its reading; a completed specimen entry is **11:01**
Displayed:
**5:11**
